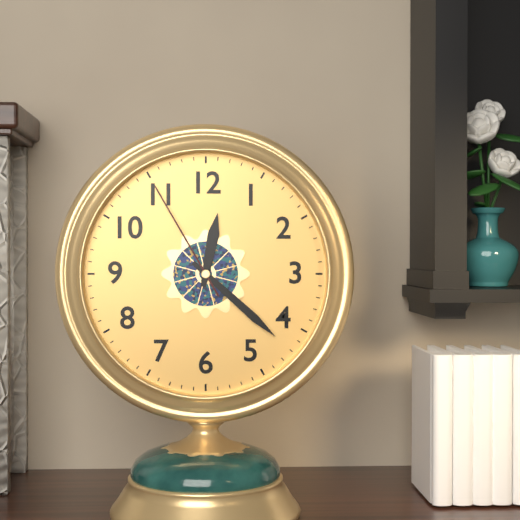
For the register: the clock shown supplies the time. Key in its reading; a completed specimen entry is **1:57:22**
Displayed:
**12:22:55**
